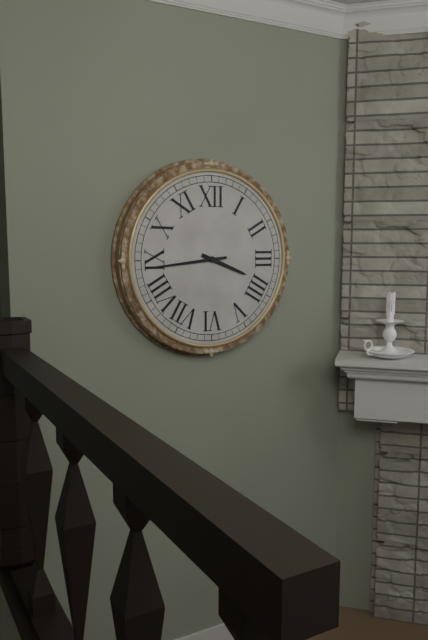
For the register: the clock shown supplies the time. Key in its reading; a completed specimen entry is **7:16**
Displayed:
**3:44**
